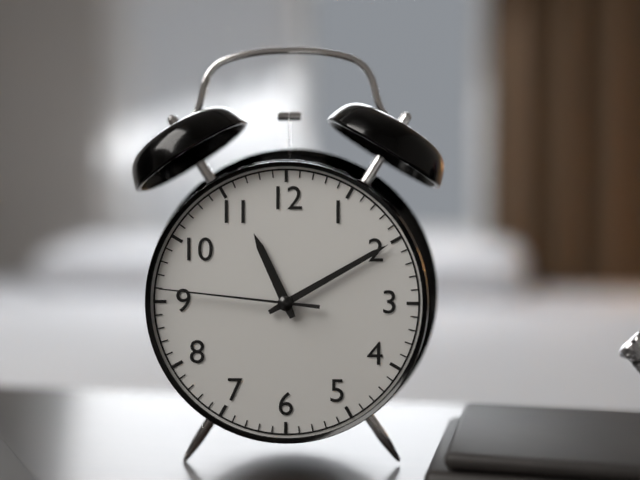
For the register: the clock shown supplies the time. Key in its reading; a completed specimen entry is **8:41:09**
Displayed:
**11:10:46**
